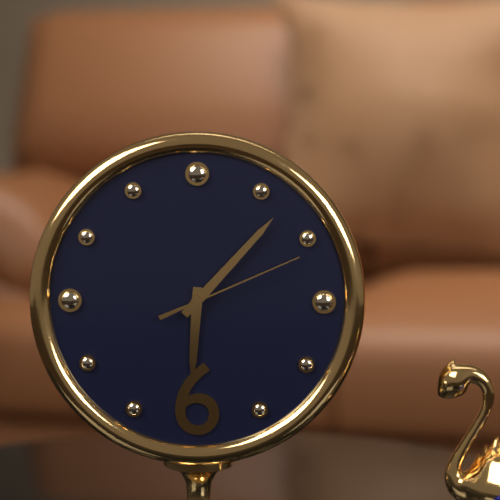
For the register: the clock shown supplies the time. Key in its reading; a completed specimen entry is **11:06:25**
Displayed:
**6:07:11**
